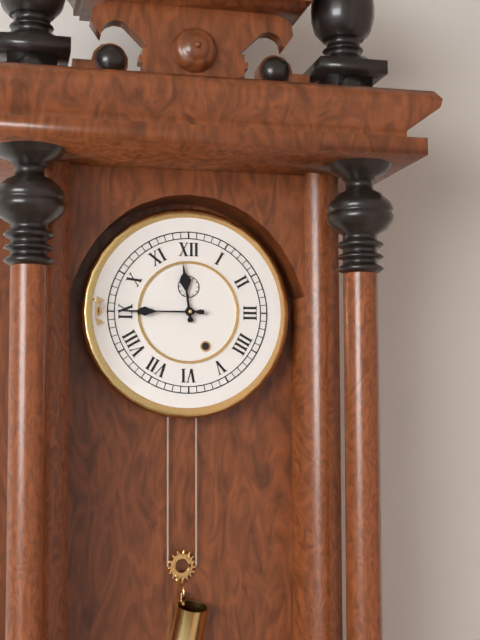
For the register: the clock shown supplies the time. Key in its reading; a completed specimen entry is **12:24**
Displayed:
**11:45**
